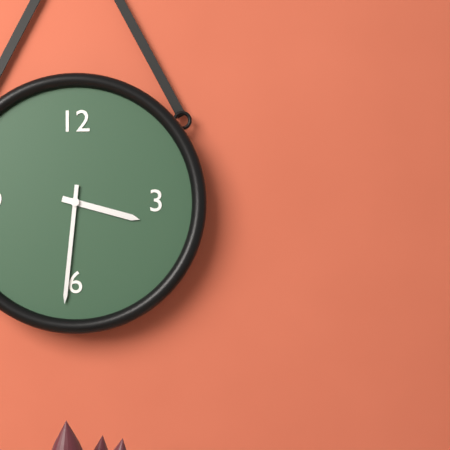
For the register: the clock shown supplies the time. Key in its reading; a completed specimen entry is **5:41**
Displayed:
**3:31**
